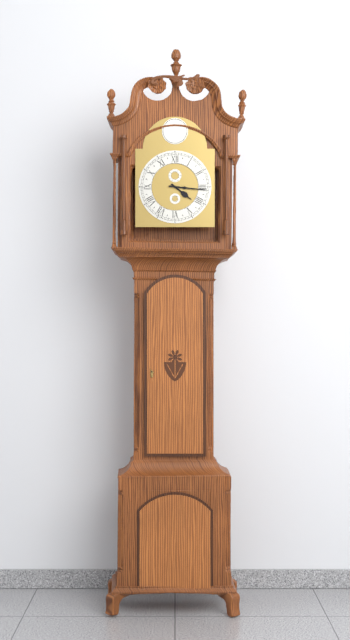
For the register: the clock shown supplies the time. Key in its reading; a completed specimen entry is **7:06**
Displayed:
**4:16**
